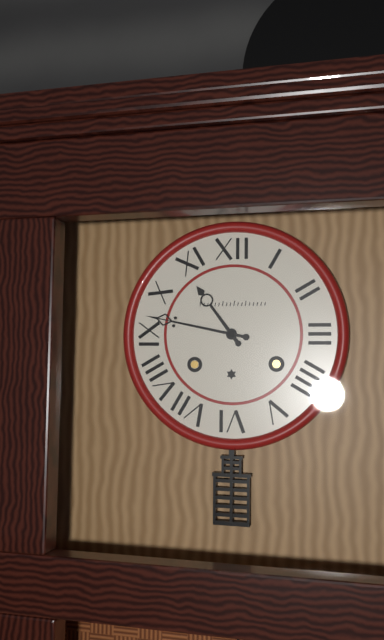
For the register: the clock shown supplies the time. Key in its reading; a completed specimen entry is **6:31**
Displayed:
**10:47**
